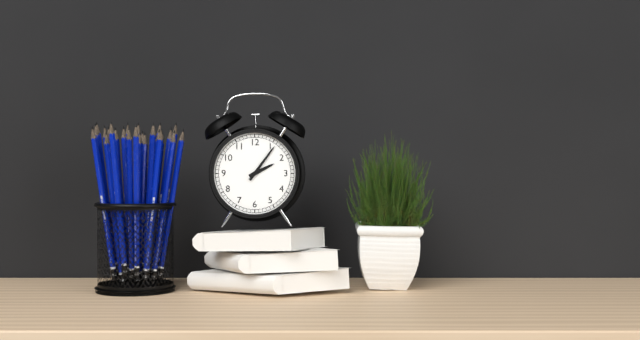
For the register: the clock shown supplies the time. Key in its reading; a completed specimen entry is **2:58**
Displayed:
**2:06**
